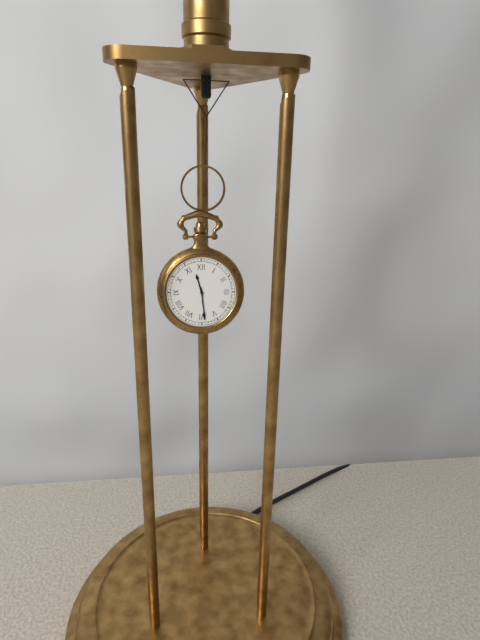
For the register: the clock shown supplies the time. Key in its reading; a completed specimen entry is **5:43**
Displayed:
**11:29**
